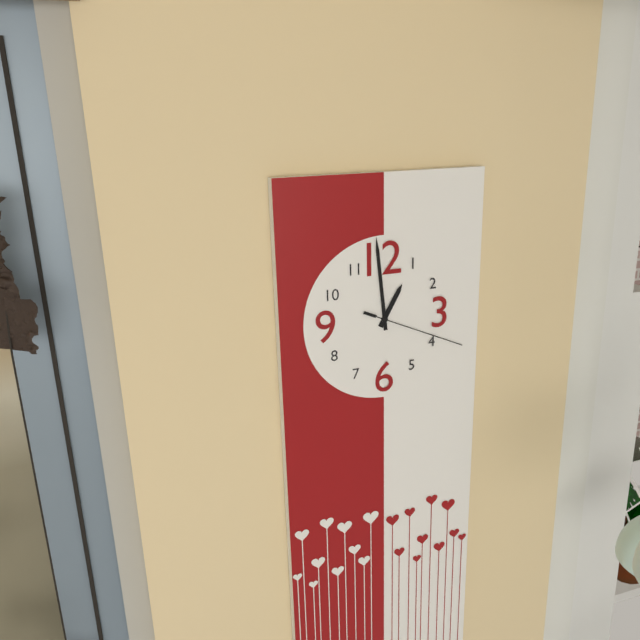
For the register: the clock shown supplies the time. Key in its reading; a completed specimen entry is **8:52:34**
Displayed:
**12:59:19**
